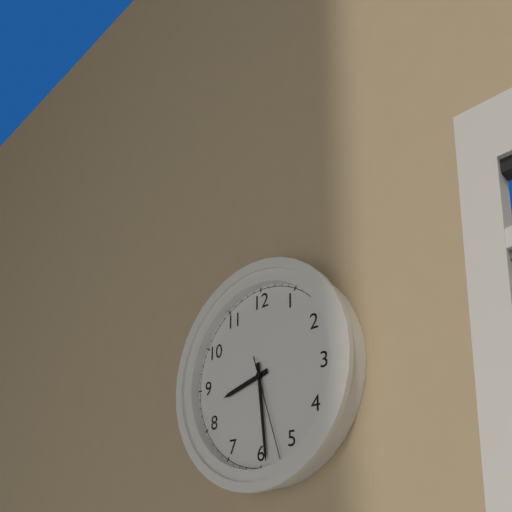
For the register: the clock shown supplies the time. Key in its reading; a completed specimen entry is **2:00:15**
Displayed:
**8:29:27**
